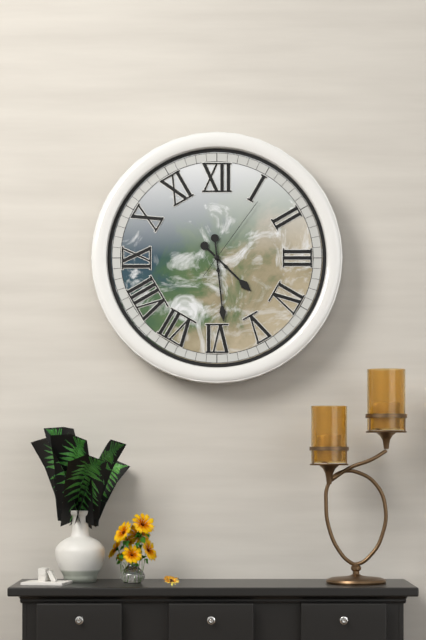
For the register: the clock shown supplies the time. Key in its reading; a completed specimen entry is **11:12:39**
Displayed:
**4:29:06**
